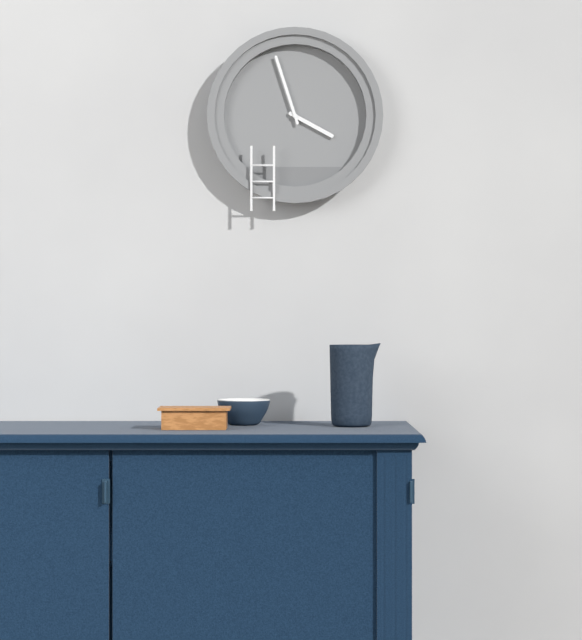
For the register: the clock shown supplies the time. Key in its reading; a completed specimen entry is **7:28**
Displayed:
**3:57**
